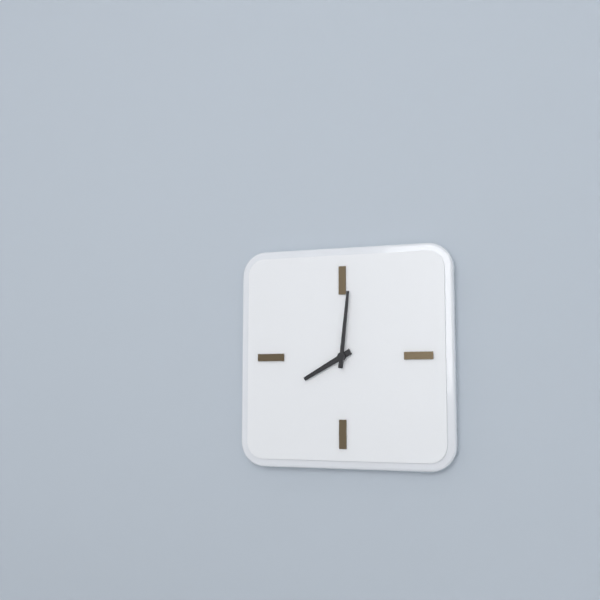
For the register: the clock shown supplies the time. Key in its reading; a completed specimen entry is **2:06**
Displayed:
**8:01**
